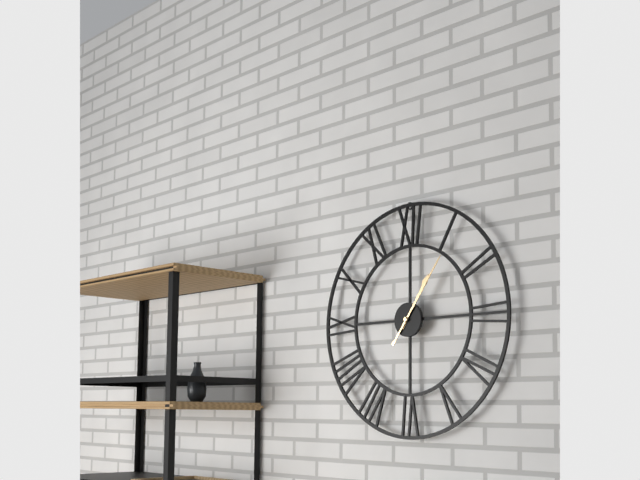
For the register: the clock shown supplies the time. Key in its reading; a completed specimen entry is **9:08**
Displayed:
**1:06**
